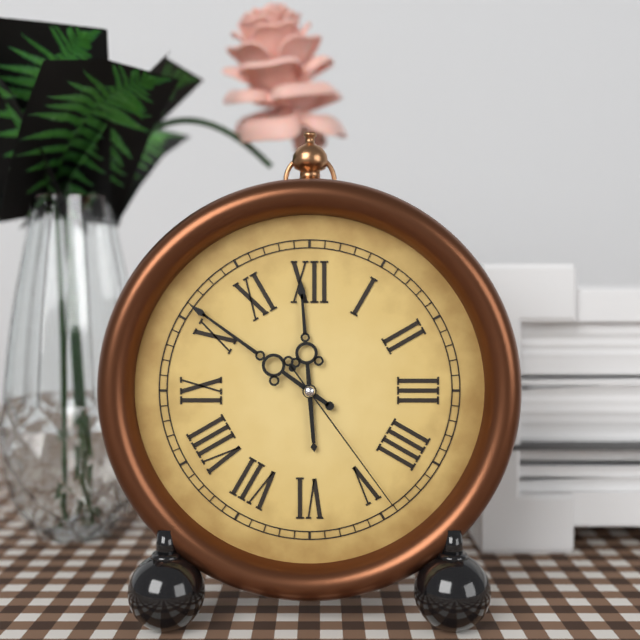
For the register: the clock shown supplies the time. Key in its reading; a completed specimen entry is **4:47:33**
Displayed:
**11:51:24**
